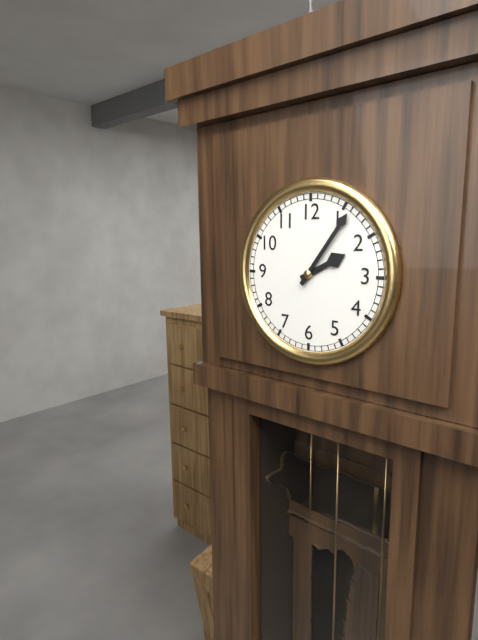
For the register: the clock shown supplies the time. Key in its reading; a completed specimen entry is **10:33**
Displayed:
**2:06**
